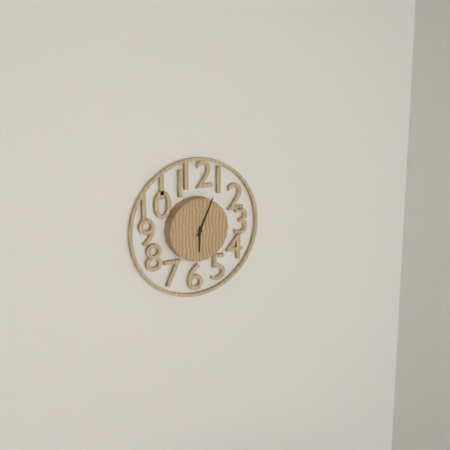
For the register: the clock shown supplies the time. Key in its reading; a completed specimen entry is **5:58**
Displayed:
**6:04**
